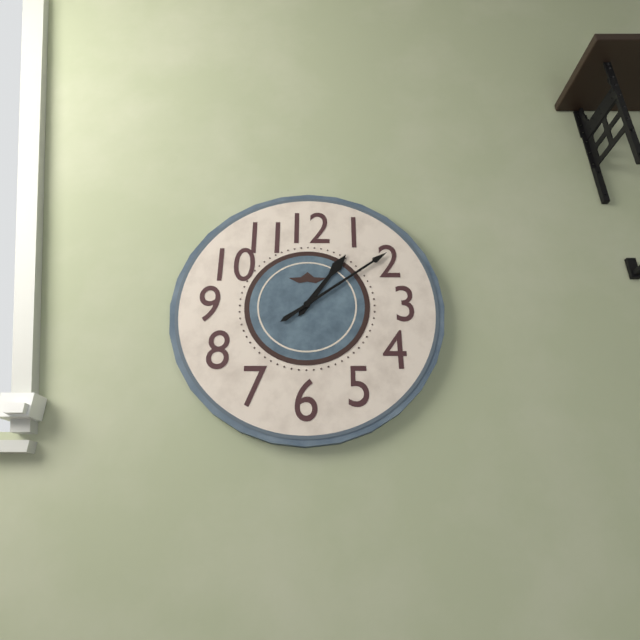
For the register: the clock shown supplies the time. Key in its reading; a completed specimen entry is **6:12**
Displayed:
**1:09**
